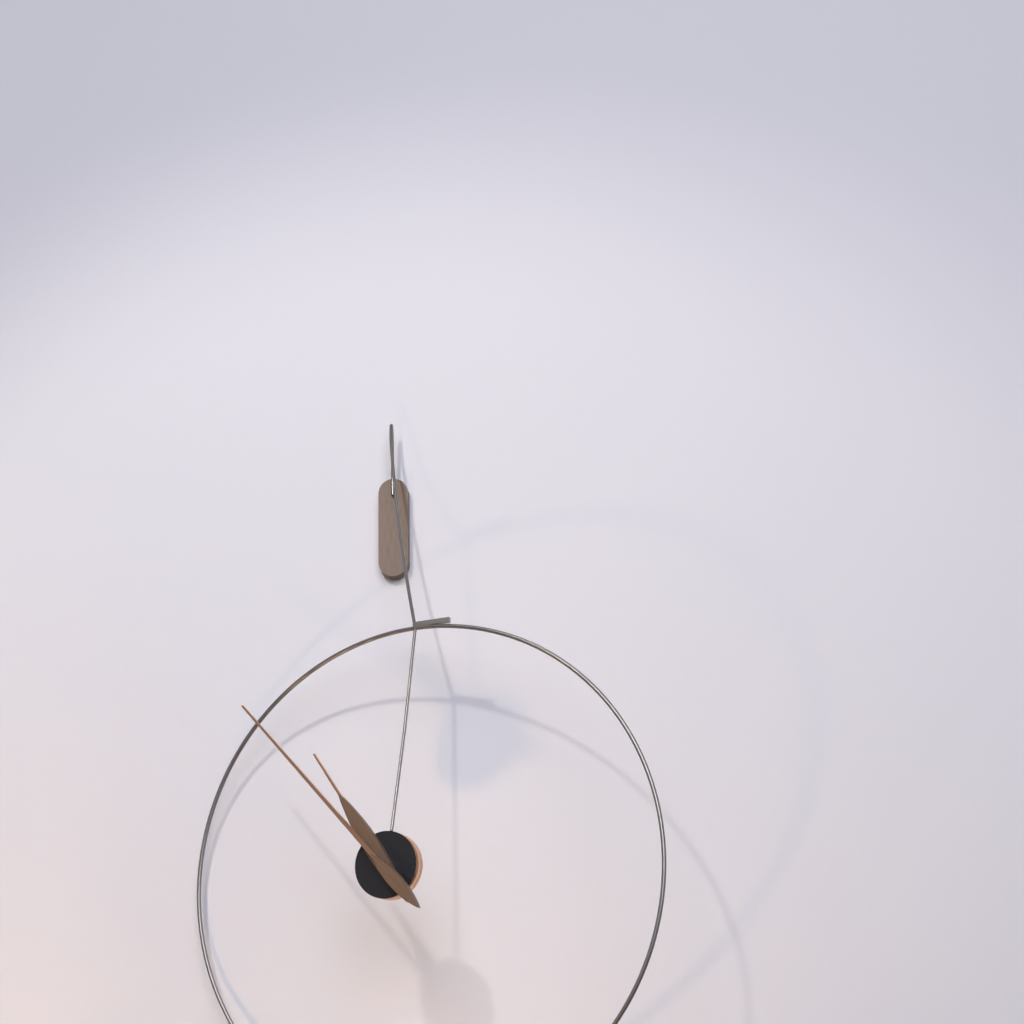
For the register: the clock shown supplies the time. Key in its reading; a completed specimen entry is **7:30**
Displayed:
**10:53**
